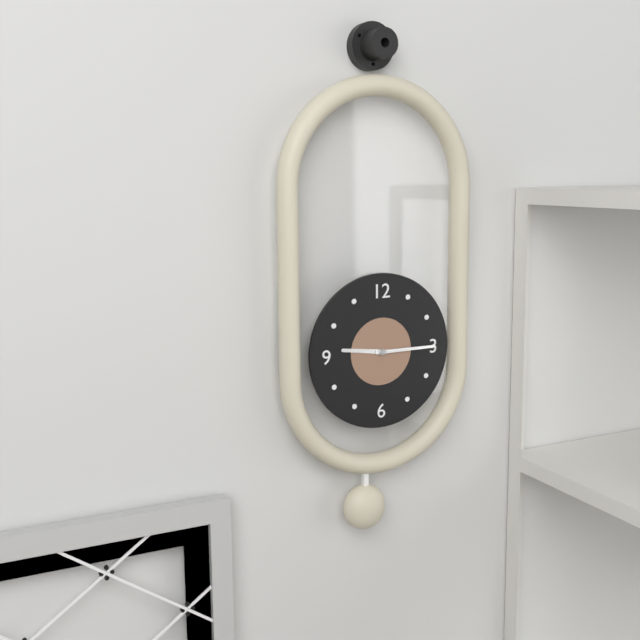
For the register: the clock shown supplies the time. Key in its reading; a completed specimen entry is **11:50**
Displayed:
**9:15**
